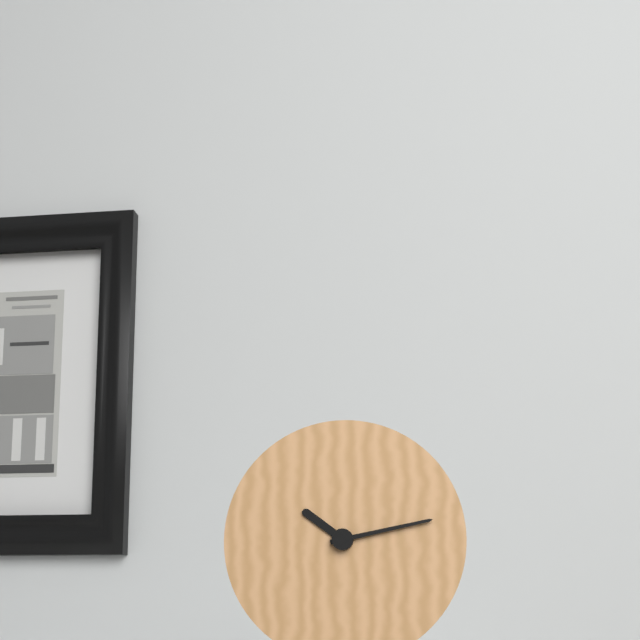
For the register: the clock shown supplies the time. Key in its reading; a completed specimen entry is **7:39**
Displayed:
**10:13**
